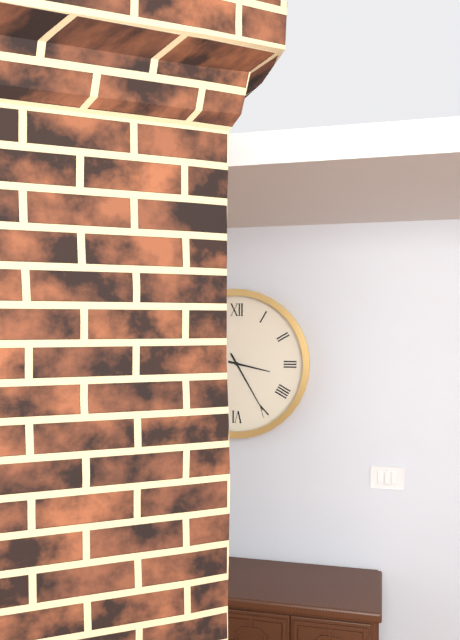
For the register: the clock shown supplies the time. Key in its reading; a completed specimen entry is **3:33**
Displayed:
**3:25**
